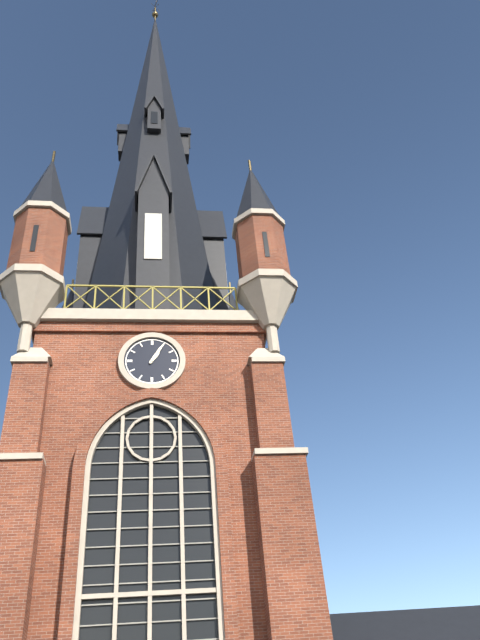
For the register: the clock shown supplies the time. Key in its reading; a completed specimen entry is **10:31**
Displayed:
**1:05**
